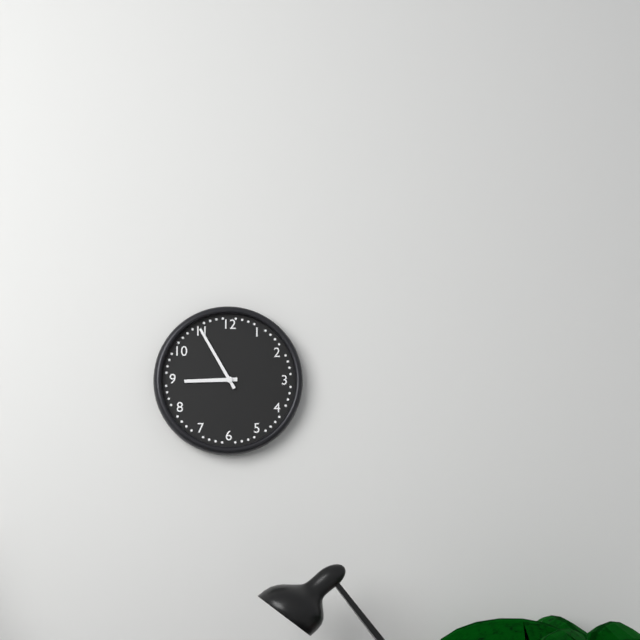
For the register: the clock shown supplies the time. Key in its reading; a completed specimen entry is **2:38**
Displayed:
**8:55**
